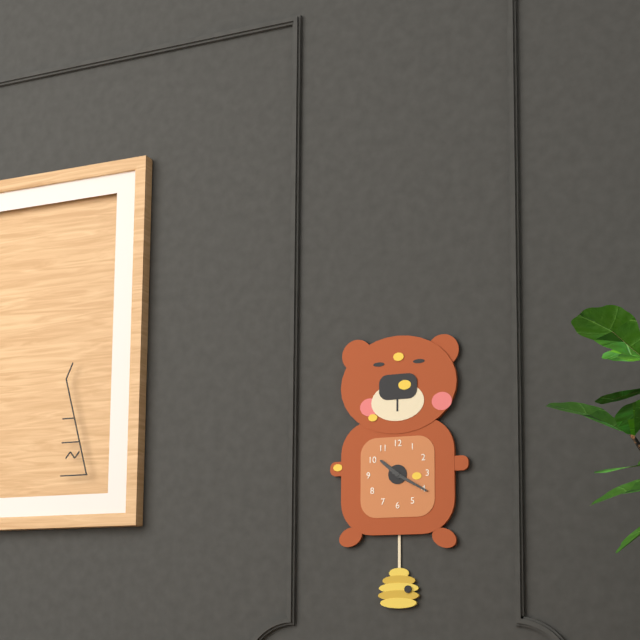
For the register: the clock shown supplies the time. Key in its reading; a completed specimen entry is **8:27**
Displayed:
**10:20**
